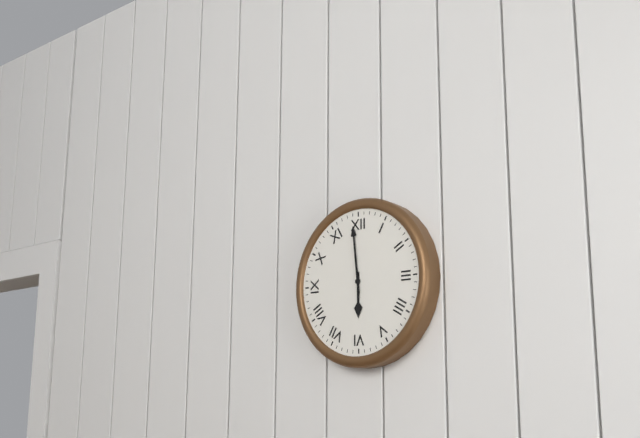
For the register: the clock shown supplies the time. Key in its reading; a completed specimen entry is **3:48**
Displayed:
**5:59**
